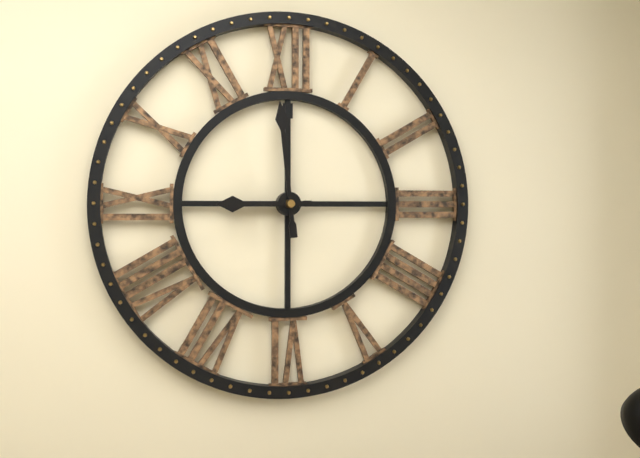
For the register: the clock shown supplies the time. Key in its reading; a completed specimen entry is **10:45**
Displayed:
**8:59**
